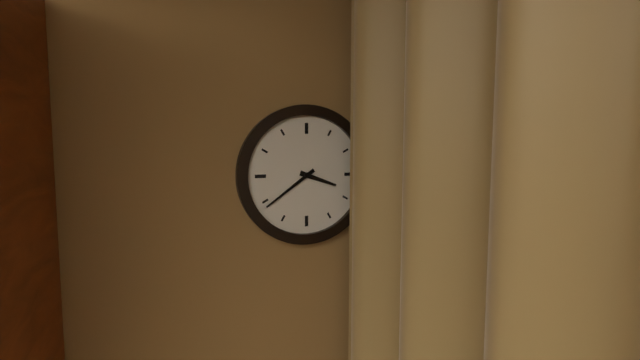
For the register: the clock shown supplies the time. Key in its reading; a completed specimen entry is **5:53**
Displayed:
**3:39**
